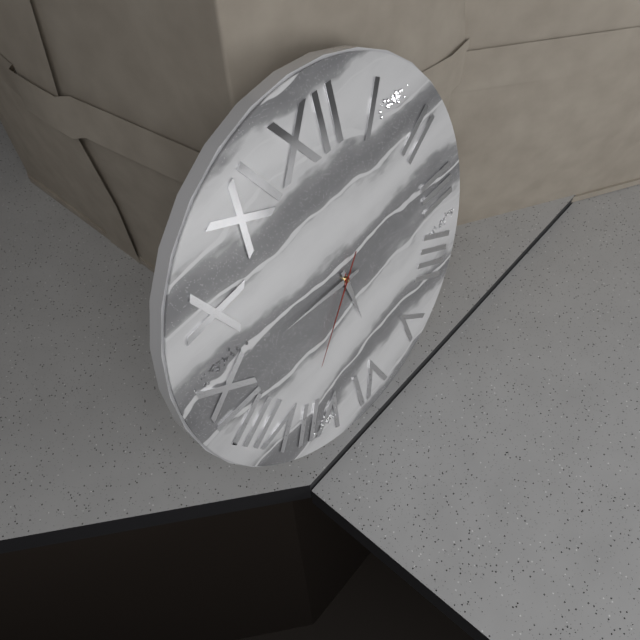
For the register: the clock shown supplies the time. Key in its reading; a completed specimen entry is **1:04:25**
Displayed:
**5:46:37**
